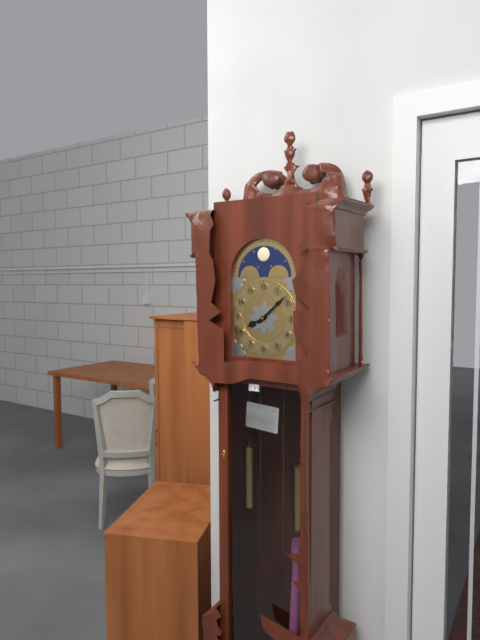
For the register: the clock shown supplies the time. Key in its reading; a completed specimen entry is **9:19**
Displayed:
**8:08**
